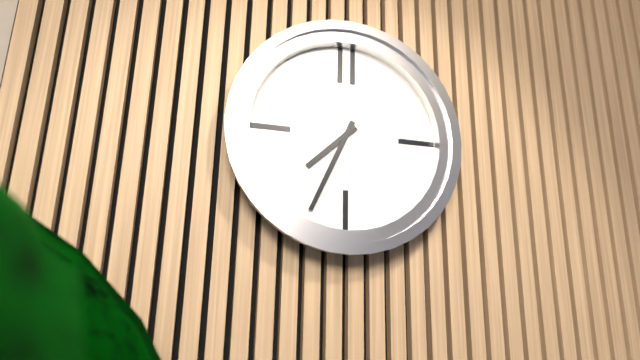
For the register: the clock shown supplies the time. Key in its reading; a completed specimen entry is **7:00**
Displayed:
**7:34**
